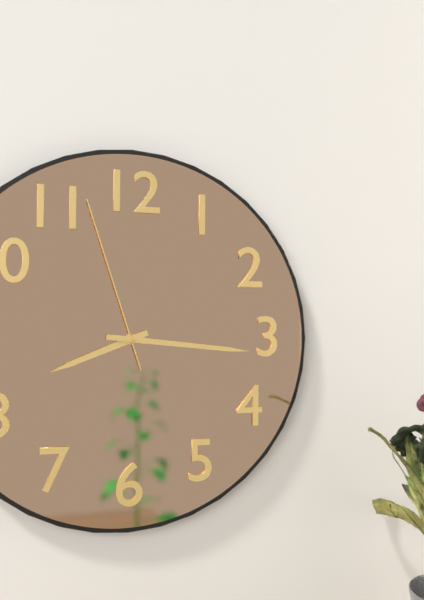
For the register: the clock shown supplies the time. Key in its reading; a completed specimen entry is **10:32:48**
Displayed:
**8:16:57**
